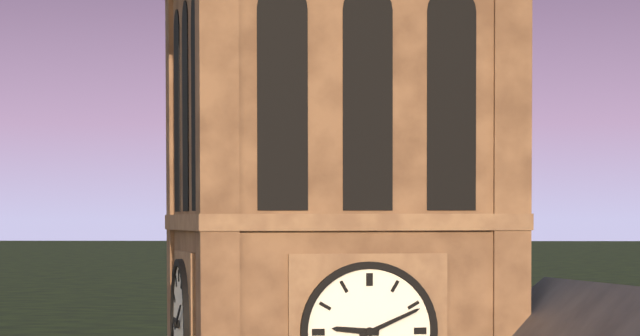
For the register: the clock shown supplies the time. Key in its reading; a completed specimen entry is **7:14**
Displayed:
**9:11**
